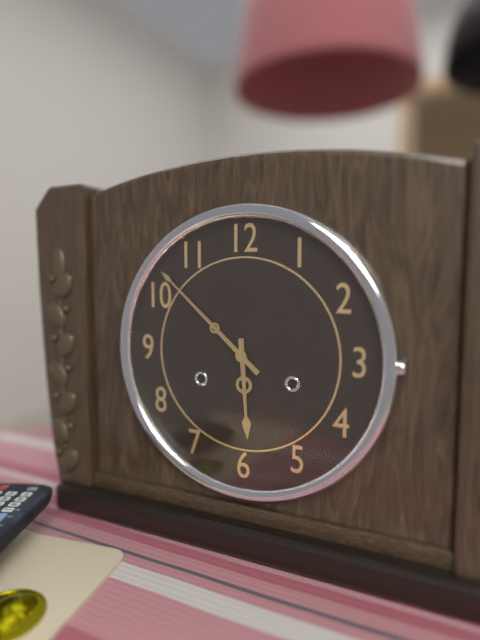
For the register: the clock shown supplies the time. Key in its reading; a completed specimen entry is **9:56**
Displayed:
**5:52**
